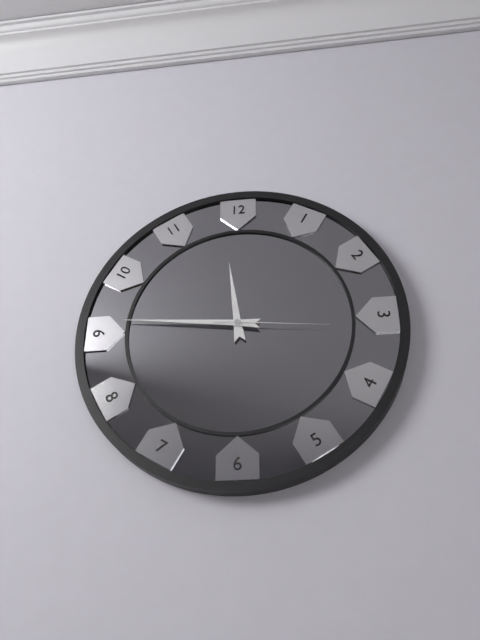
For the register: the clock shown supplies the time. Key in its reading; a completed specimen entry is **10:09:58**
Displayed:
**11:46:16**
